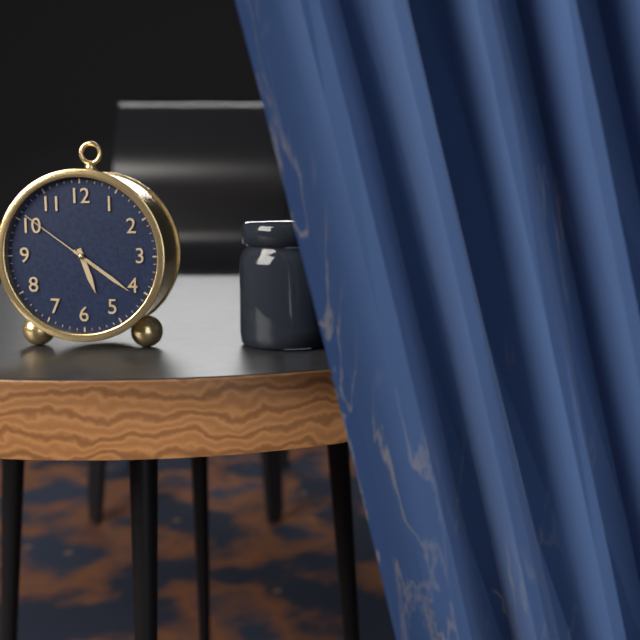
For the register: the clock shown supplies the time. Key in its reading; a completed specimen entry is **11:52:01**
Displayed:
**5:21:51**
